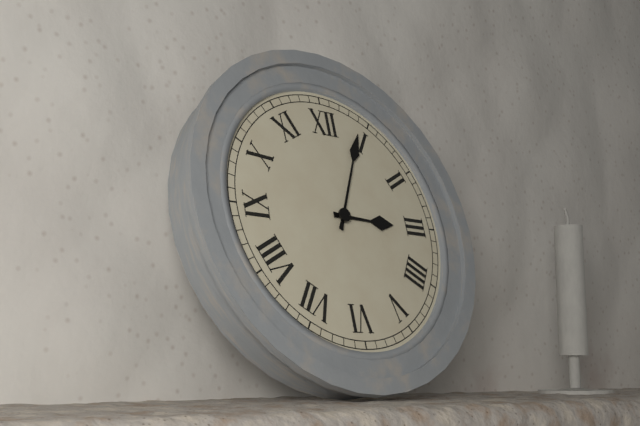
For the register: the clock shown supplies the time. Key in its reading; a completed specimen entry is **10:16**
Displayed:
**3:04**
